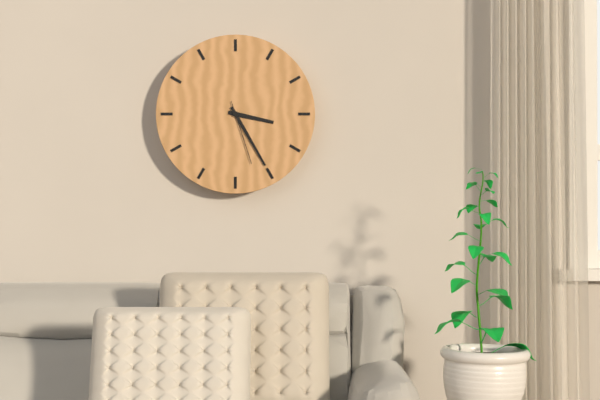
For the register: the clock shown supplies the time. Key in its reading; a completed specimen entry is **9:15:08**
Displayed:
**3:25:27**
